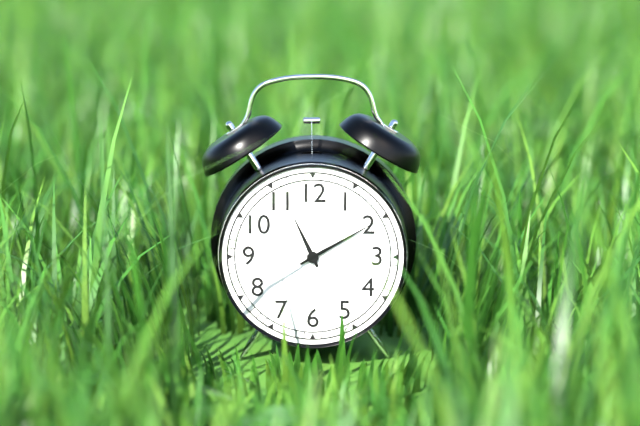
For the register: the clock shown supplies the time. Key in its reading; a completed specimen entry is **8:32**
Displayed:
**11:10**
